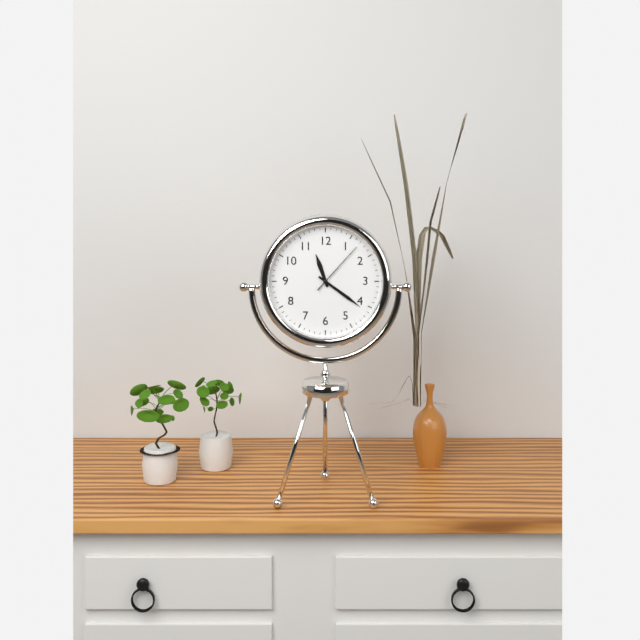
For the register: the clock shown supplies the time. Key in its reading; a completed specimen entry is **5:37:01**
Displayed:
**11:21:07**
